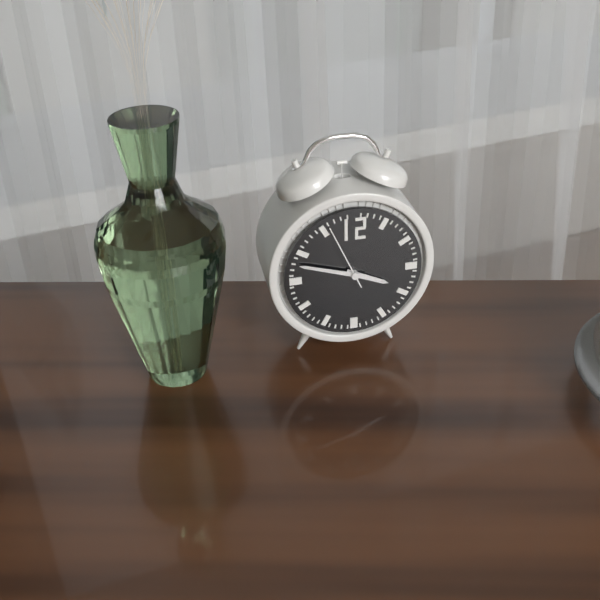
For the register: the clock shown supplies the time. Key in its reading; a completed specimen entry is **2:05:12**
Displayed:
**3:48:56**
